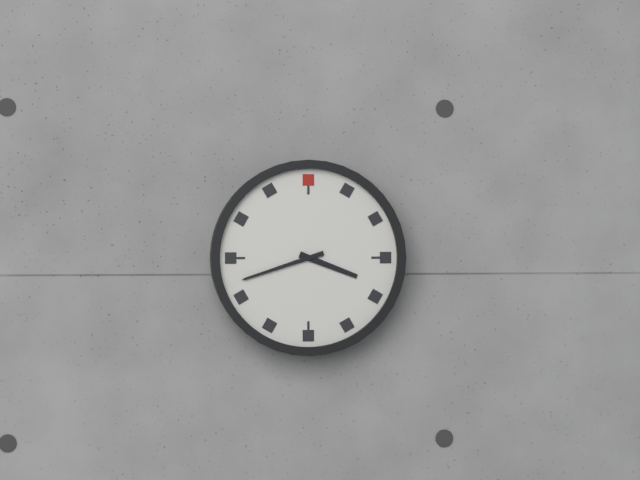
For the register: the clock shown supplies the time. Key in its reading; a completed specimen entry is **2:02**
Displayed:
**3:42**
